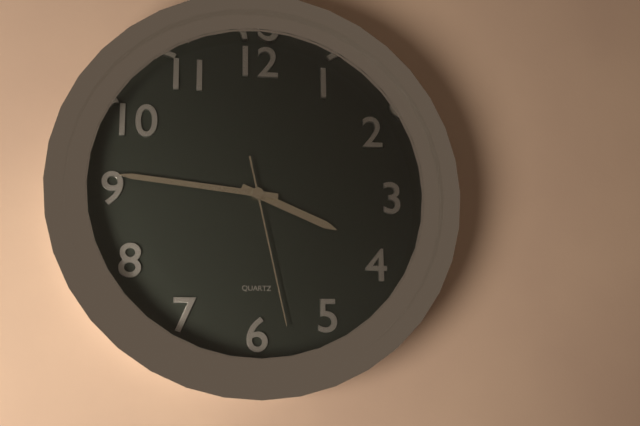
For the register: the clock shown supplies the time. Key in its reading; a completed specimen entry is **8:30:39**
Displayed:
**3:46:28**
